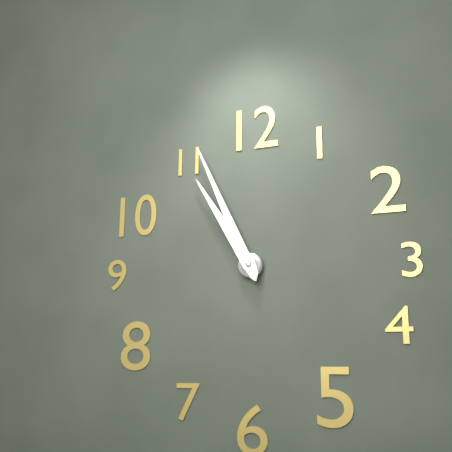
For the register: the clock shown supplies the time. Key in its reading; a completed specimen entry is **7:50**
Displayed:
**10:56**
